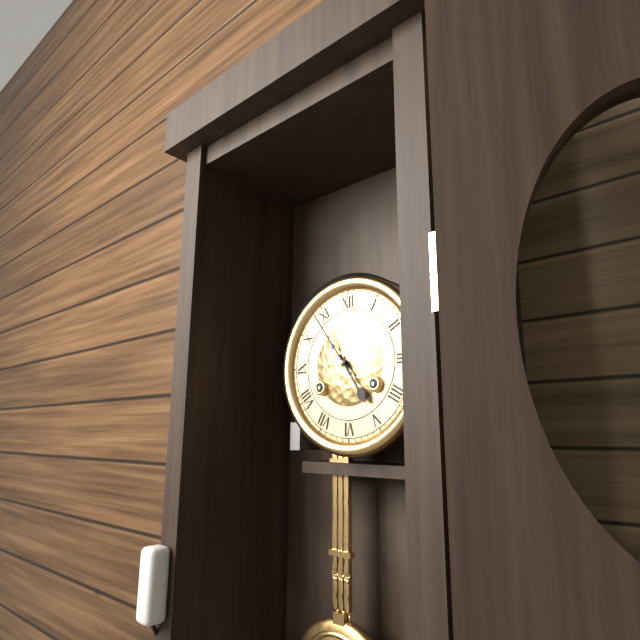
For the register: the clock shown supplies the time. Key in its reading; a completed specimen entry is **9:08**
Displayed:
**4:54**
